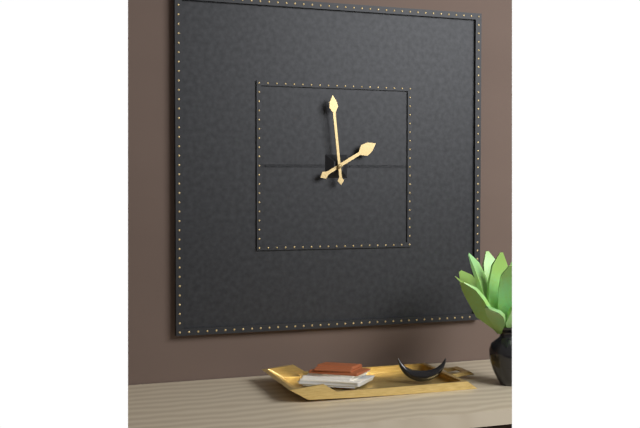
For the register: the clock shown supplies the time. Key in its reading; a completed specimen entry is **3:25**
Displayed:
**1:59**
